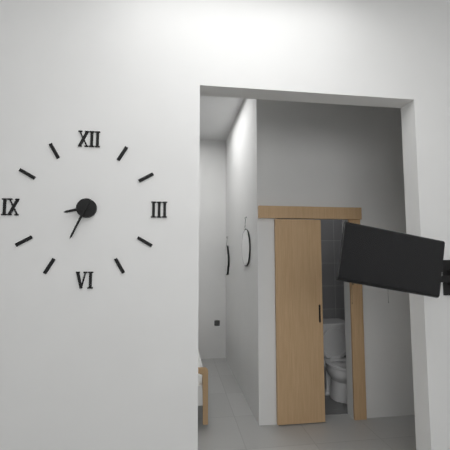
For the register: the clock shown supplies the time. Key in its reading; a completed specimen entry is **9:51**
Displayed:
**8:34**
